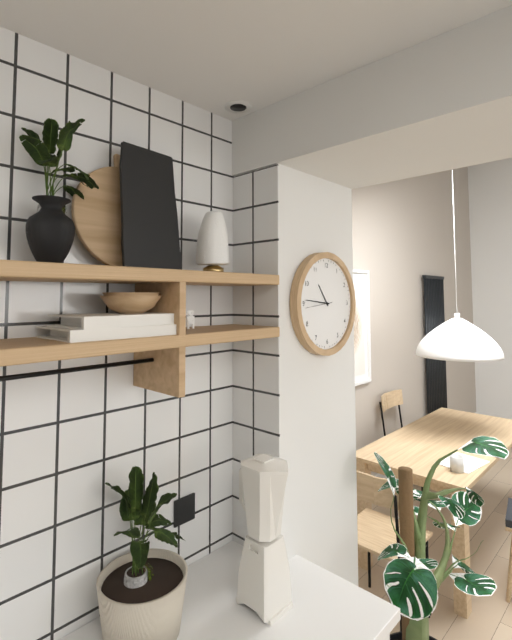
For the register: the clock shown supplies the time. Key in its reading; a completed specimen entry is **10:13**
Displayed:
**10:46**
